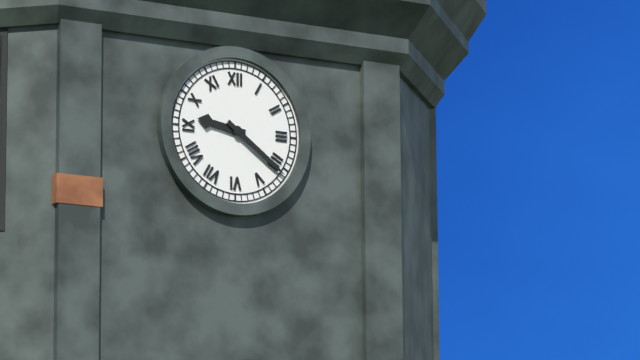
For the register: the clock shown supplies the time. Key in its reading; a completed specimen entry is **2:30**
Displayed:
**9:21**
